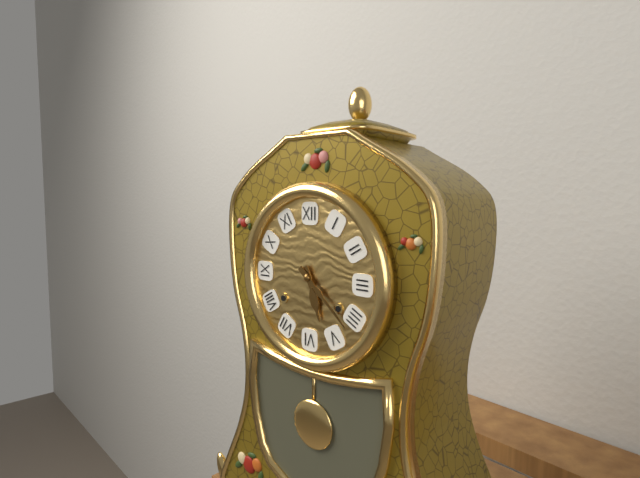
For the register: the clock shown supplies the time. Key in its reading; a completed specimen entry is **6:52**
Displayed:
**5:22**
